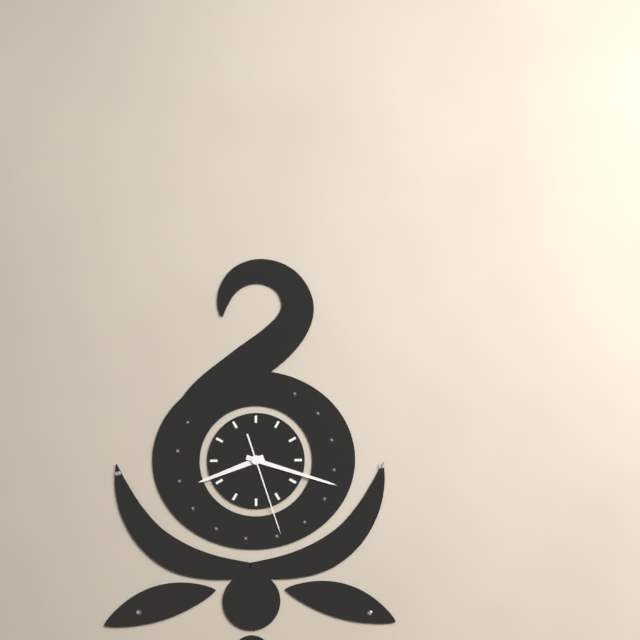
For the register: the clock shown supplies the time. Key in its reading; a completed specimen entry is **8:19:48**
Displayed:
**8:18:27**
